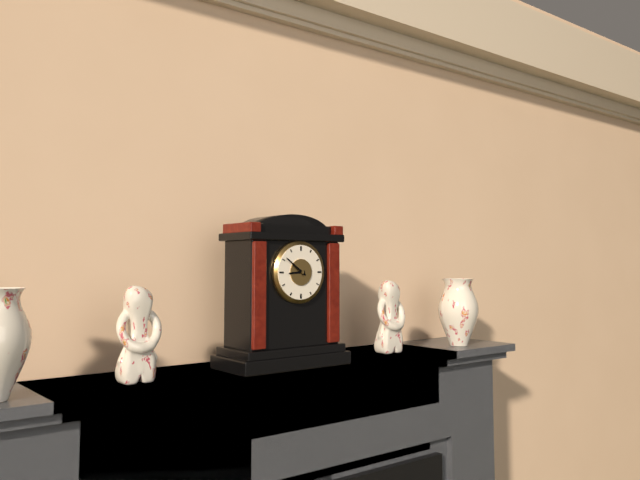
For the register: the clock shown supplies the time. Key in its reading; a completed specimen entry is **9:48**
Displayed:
**8:51**
